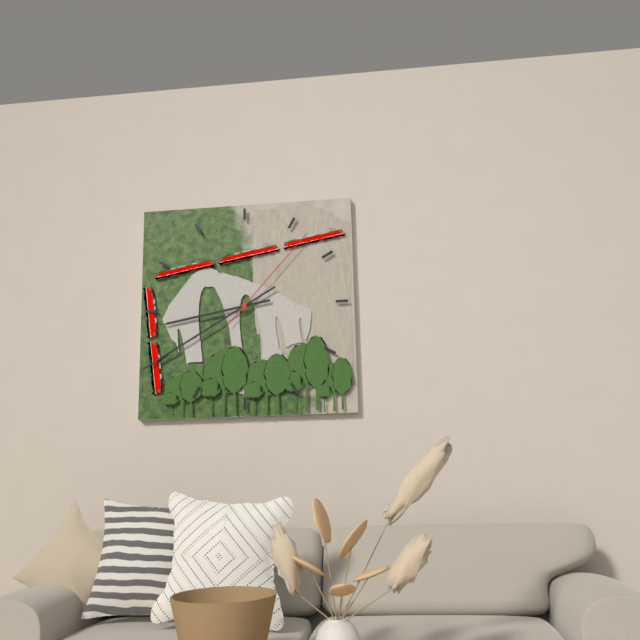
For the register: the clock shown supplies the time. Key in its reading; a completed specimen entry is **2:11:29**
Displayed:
**8:40:07**
